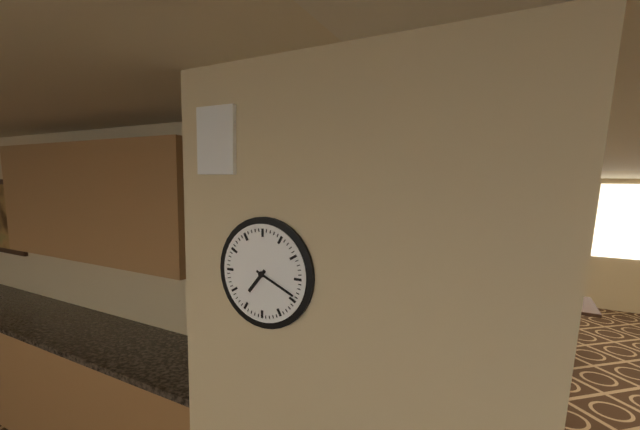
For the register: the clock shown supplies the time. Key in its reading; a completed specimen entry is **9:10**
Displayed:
**7:19**
